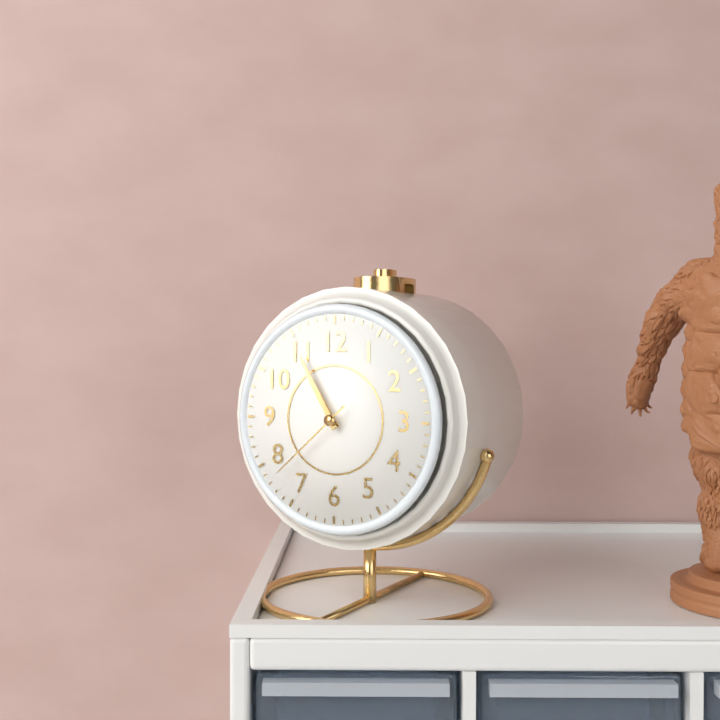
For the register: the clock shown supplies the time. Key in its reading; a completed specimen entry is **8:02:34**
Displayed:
**10:55:38**
